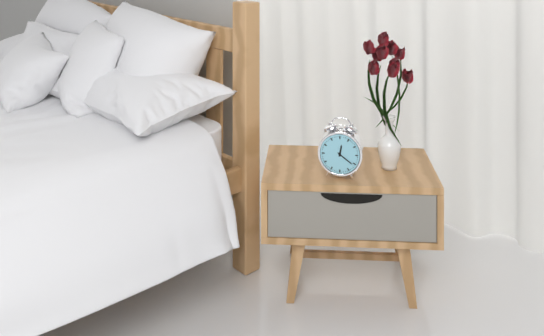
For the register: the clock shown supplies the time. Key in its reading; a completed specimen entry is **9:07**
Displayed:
**12:21**
